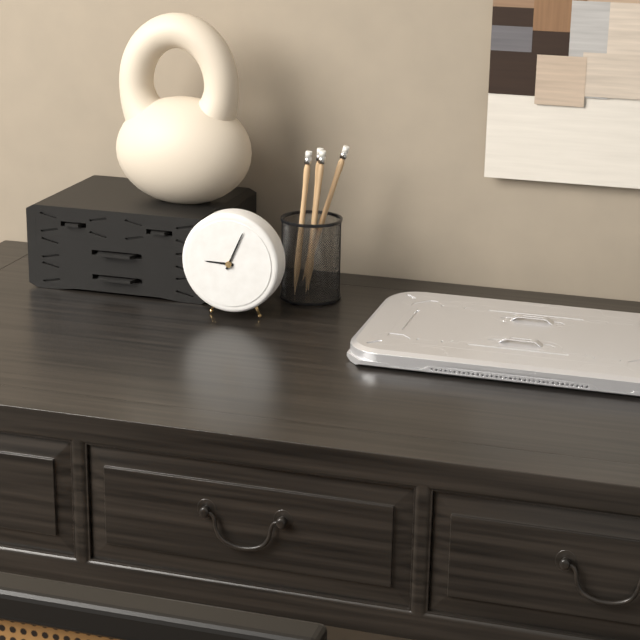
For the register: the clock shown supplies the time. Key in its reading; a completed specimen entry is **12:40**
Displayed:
**9:04**
